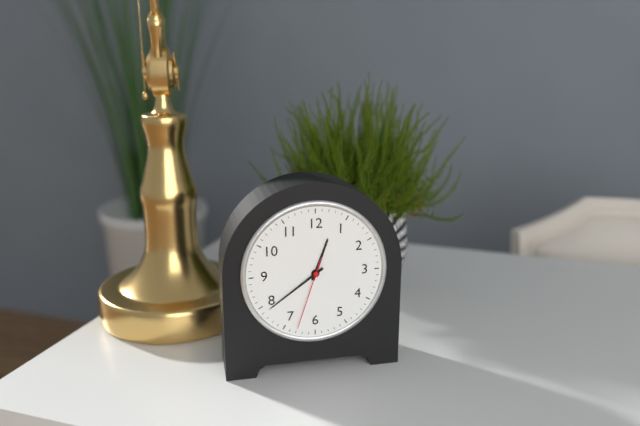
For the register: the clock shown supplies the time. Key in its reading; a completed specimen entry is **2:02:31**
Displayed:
**12:39:33**
